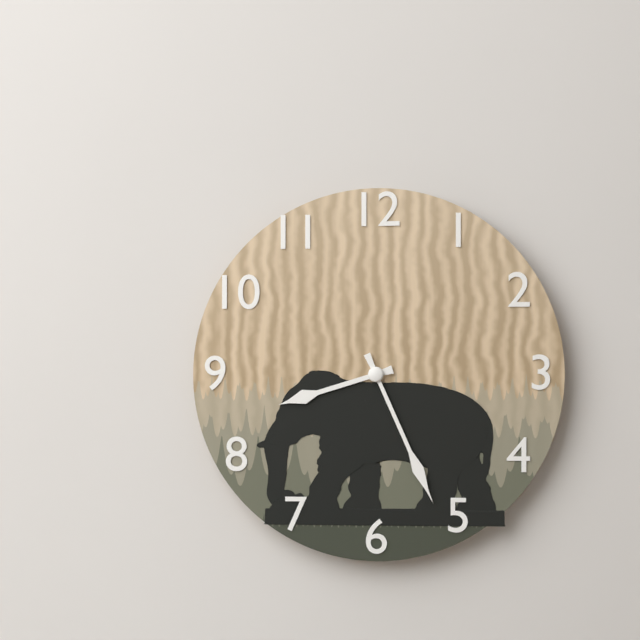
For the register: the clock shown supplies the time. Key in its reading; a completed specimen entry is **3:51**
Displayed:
**8:26**
